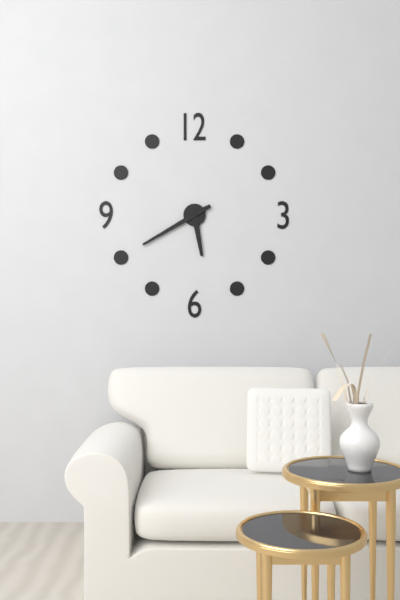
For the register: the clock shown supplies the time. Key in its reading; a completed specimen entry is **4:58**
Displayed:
**5:40**
